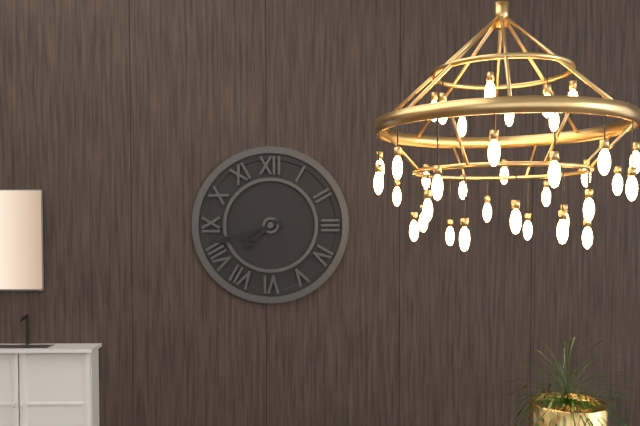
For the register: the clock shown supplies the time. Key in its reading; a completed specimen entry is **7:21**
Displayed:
**7:42**
